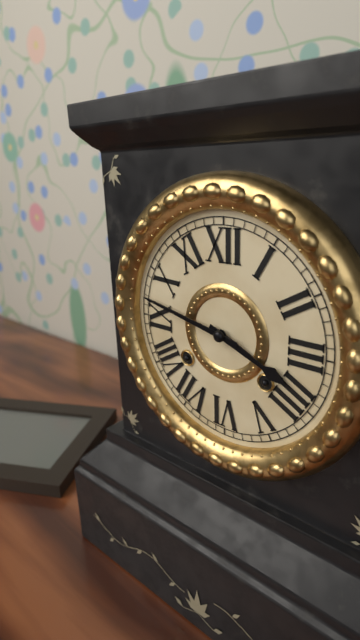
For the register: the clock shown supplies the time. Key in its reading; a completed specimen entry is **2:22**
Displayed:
**3:47**
